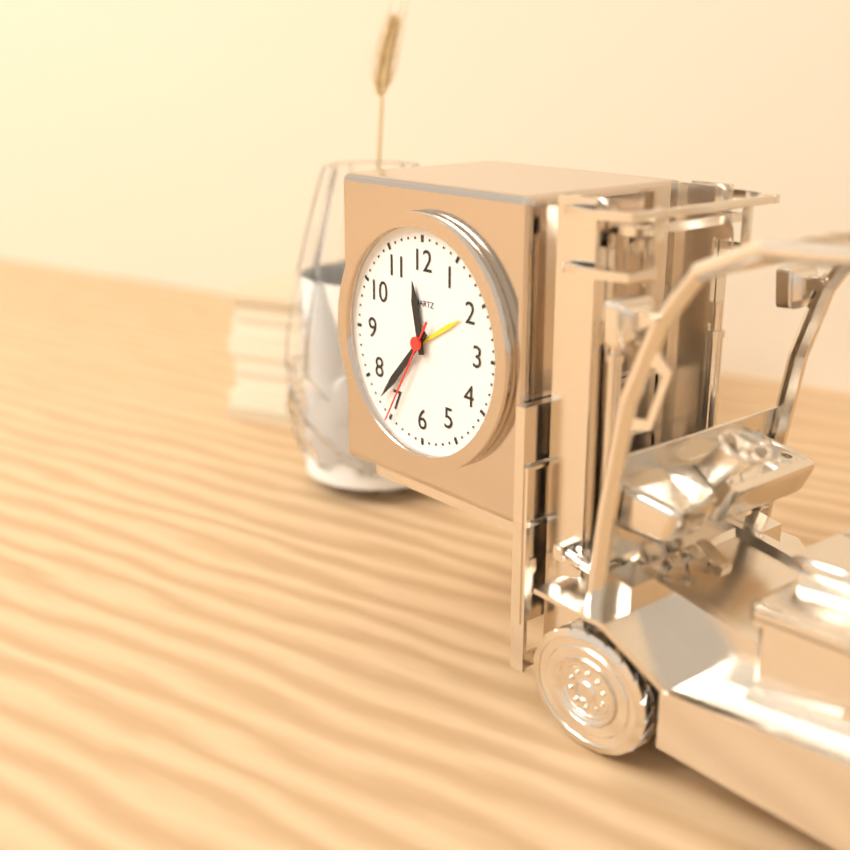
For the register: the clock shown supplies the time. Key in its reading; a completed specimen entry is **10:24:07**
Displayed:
**11:37:35**
